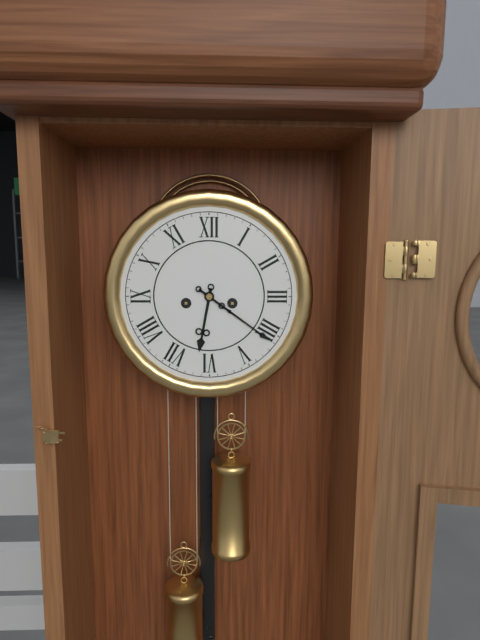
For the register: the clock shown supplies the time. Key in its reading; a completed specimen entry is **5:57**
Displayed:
**6:21**
